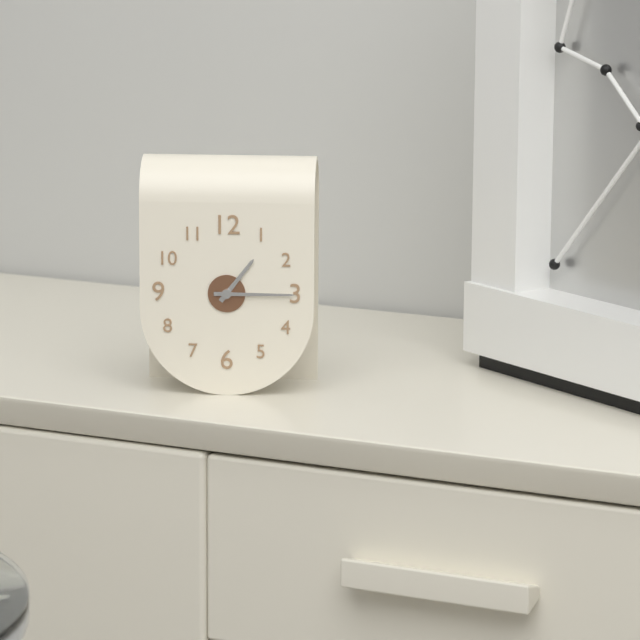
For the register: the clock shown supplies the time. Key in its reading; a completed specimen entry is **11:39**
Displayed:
**1:15**
